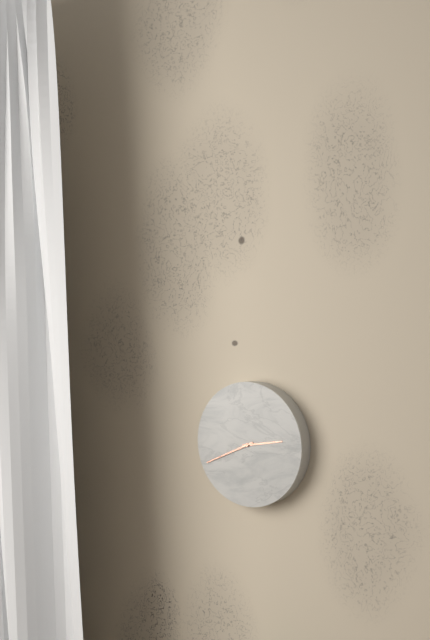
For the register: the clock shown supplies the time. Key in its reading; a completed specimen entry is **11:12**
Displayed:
**2:41**
